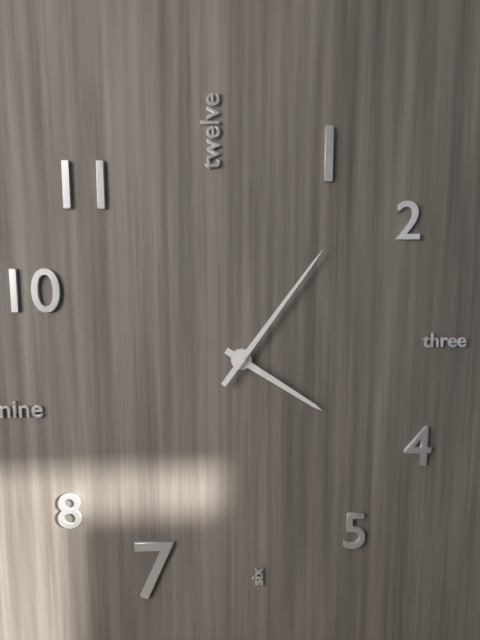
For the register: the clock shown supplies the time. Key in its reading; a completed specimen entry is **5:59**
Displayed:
**4:06**
